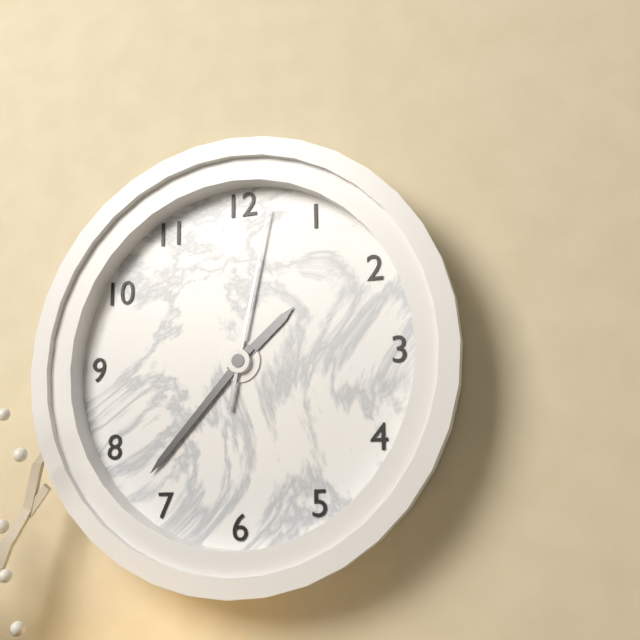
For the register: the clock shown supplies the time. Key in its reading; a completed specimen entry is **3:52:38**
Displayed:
**1:37:02**
